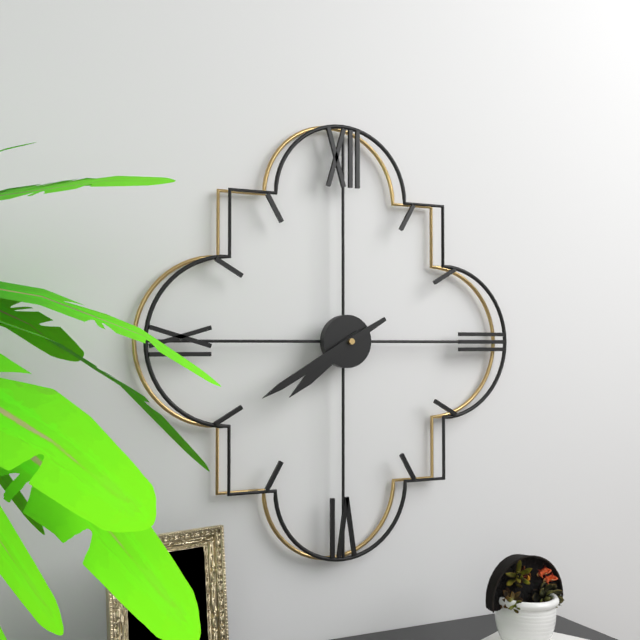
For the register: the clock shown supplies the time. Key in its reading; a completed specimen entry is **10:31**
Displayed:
**7:40**
